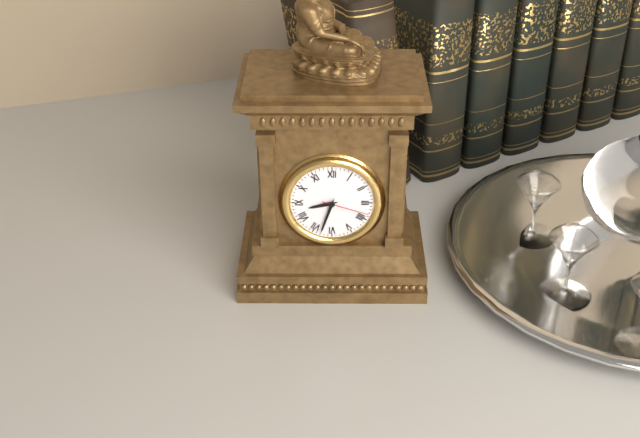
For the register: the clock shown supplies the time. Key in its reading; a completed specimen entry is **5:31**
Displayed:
**8:33**
